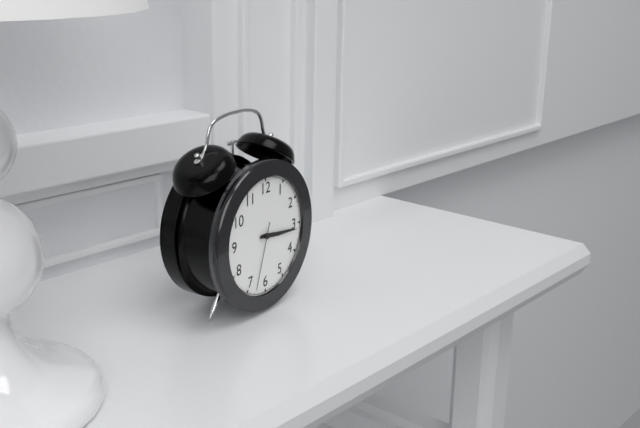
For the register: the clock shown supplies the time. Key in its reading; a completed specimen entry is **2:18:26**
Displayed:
**3:16:33**
